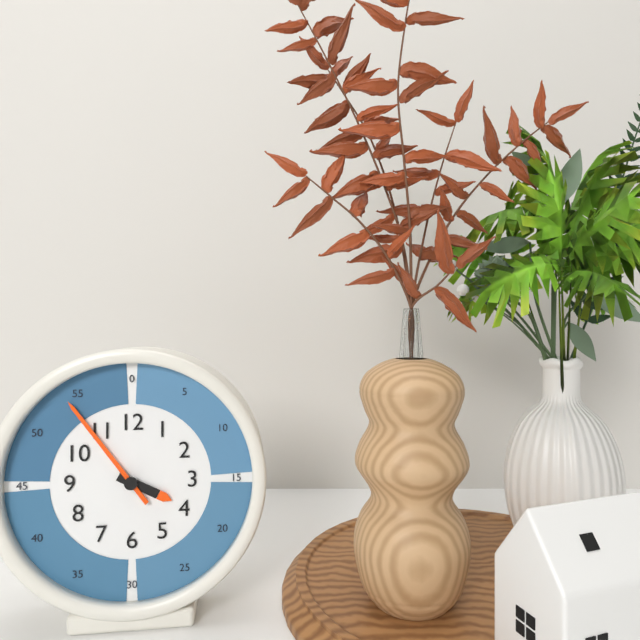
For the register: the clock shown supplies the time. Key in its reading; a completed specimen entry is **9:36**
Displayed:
**3:54**
